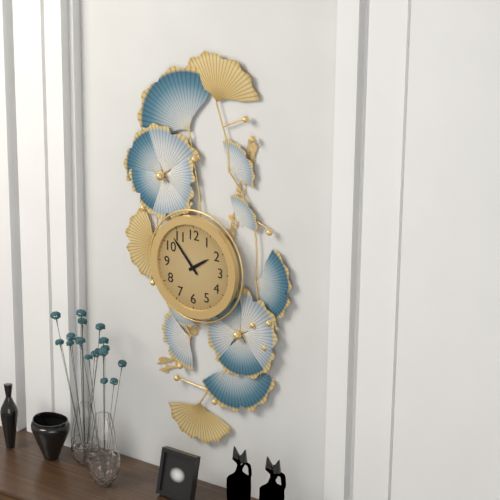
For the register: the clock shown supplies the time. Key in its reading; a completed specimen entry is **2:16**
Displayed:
**1:53**
